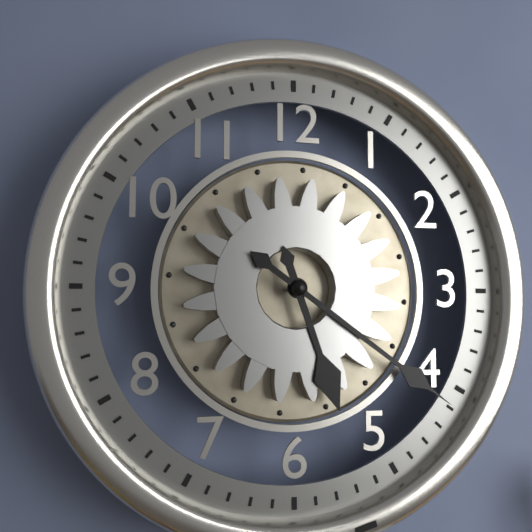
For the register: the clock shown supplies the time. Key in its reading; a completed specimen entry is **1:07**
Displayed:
**5:21**
